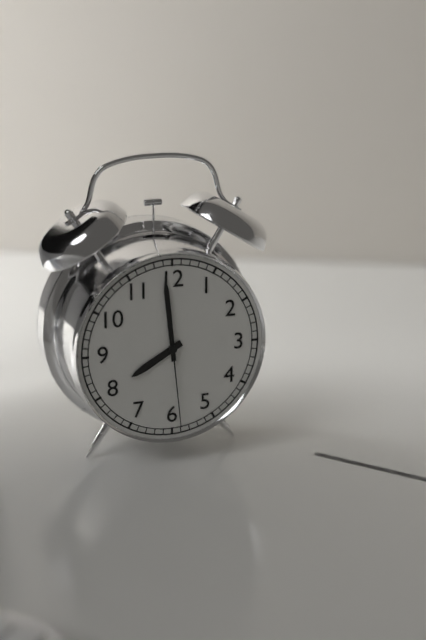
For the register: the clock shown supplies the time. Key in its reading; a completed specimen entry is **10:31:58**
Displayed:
**7:59:29**
